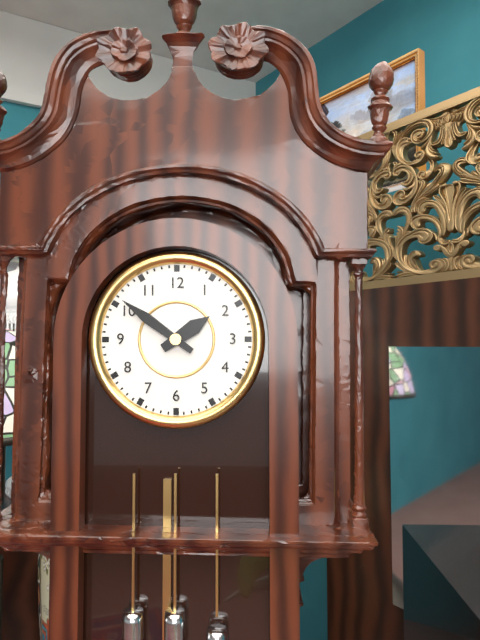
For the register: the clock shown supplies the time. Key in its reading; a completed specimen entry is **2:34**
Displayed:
**1:51**
